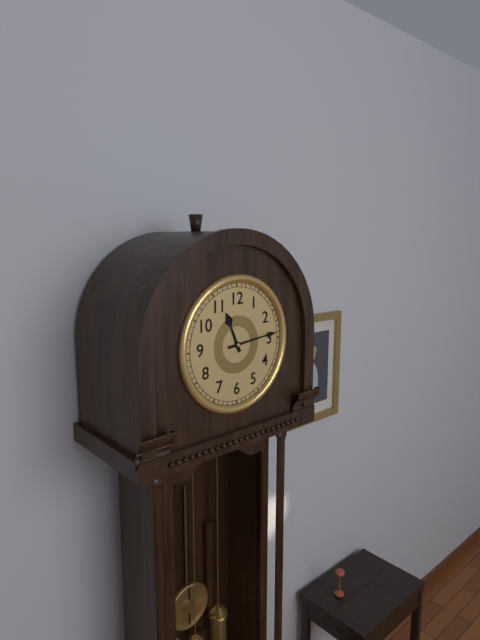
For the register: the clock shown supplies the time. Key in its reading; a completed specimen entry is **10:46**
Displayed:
**11:14**
